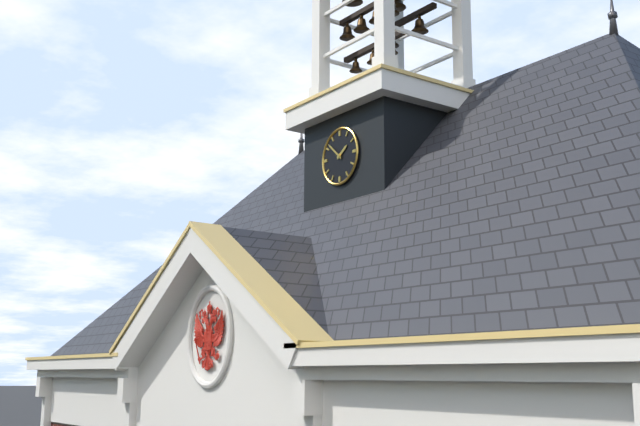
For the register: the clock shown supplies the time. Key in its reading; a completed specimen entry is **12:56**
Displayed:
**1:52**
